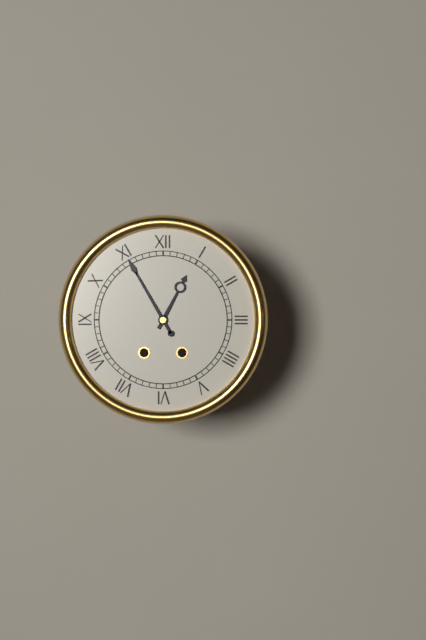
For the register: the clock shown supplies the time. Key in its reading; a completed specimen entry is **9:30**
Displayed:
**12:55**
